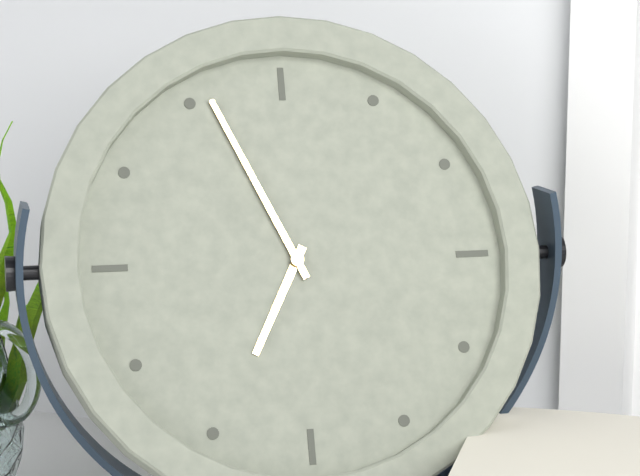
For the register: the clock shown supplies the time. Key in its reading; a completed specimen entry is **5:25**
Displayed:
**6:56**
